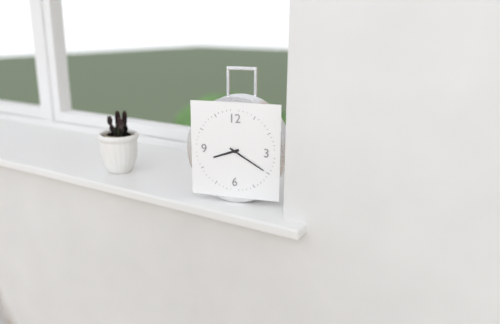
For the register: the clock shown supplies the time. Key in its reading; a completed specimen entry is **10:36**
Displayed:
**8:20**
